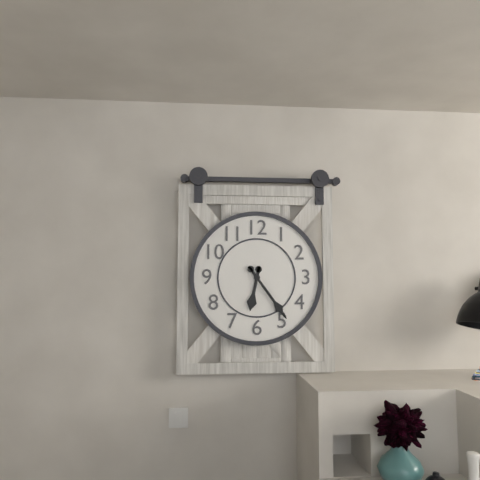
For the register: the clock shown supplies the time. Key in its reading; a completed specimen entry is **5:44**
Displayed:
**6:24**
